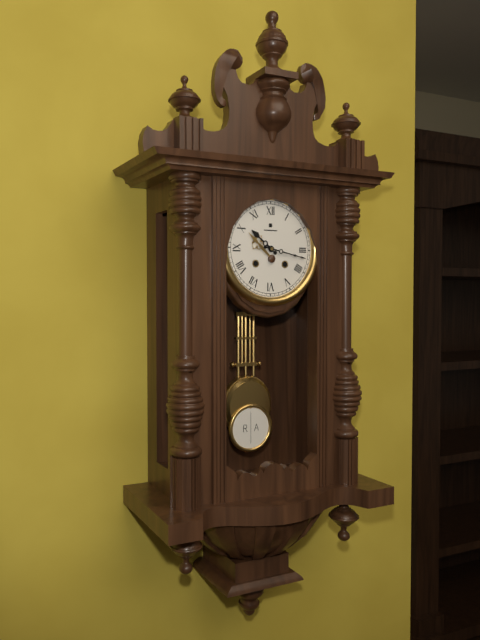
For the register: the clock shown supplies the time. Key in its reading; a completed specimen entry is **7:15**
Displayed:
**10:17**
